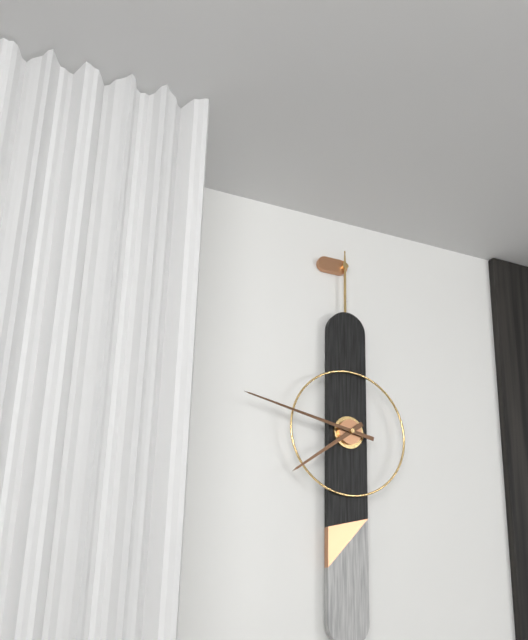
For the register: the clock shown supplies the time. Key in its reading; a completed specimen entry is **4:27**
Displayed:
**7:47**
